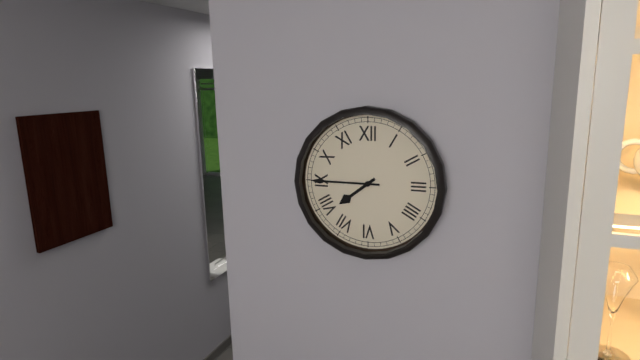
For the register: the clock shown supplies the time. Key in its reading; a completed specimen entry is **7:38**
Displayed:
**7:45**
